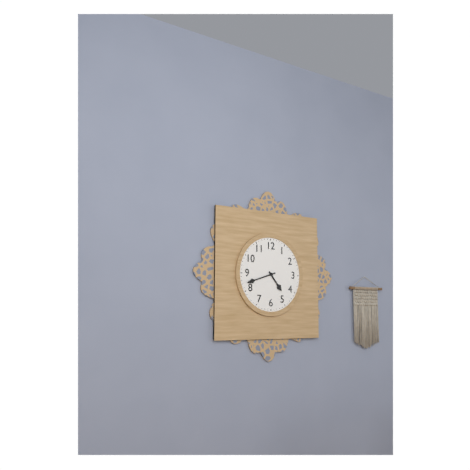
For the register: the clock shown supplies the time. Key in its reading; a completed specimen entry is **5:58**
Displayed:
**4:42**
